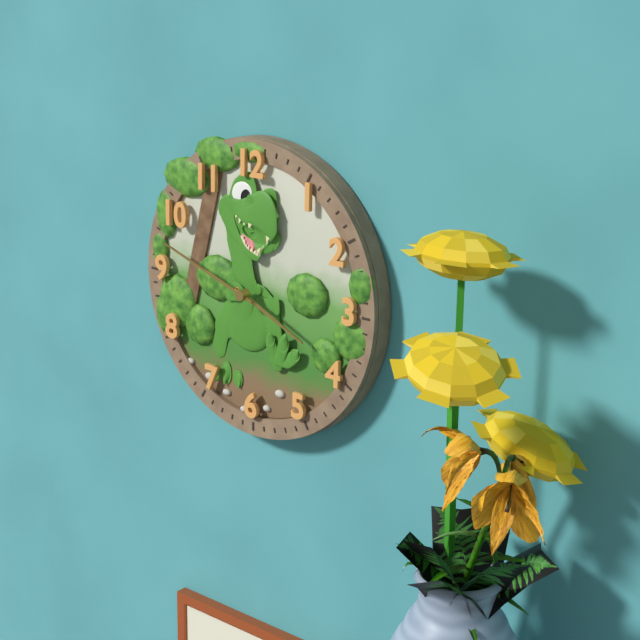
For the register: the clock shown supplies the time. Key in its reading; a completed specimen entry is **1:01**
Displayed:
**3:48**
